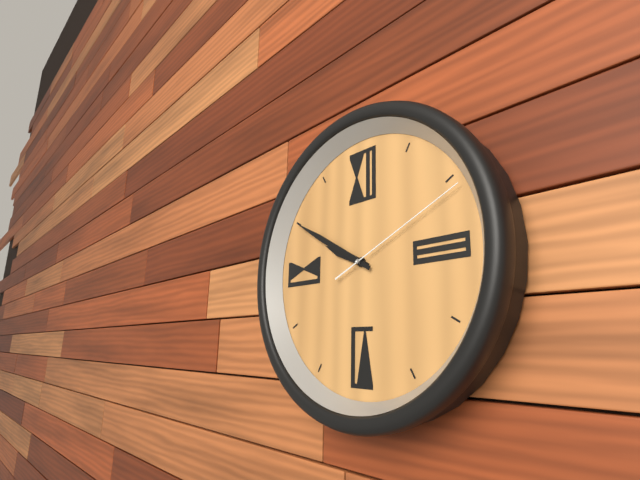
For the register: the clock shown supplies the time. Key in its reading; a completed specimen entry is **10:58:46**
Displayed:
**9:50:11**
